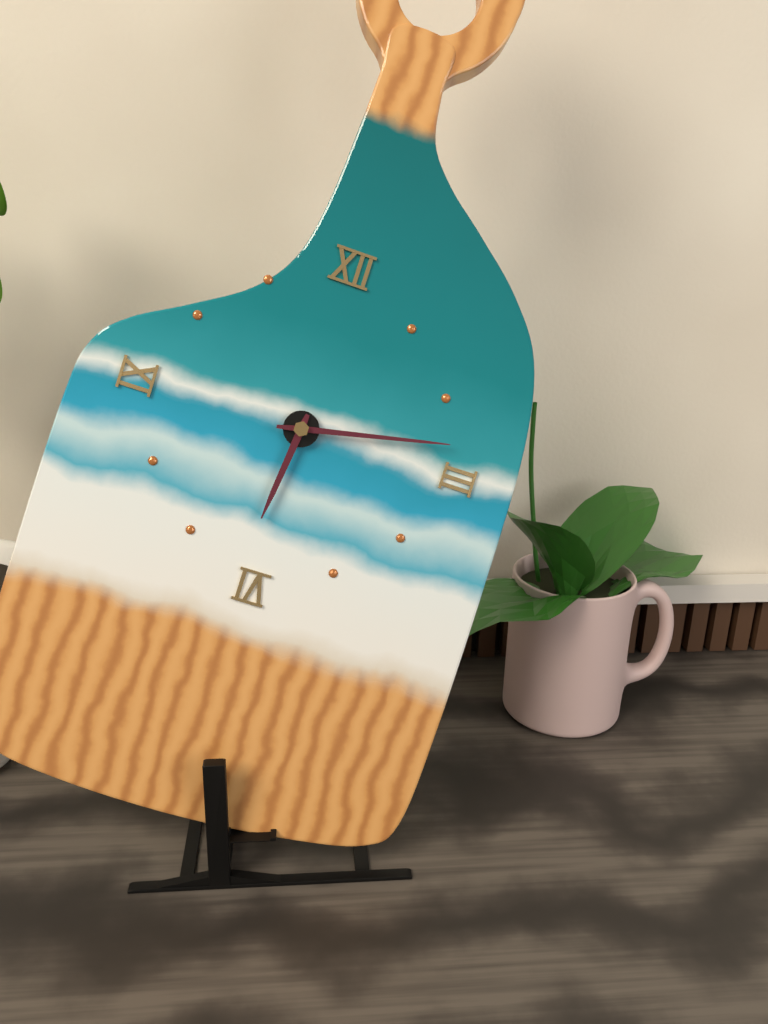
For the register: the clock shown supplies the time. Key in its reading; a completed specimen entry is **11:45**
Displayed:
**6:13**
